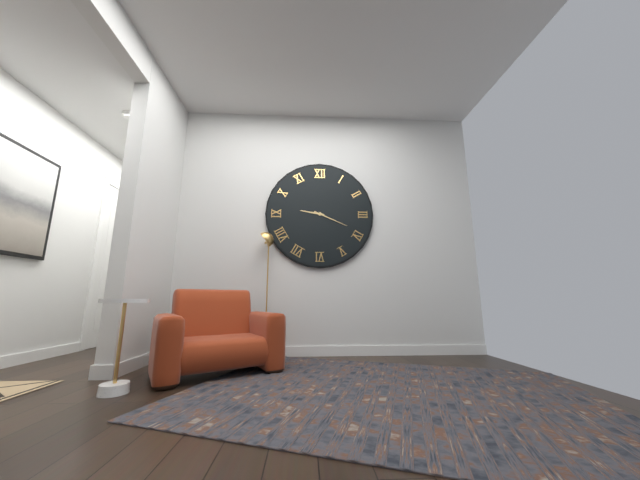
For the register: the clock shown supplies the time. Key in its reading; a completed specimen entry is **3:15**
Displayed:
**9:19**
